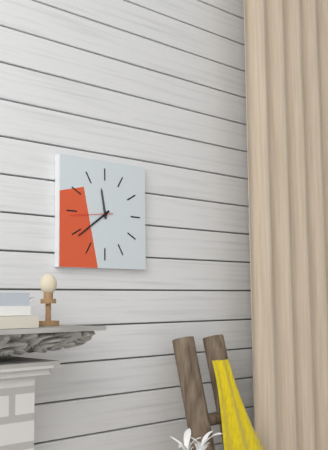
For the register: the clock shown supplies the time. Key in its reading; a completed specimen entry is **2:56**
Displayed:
**11:39**
